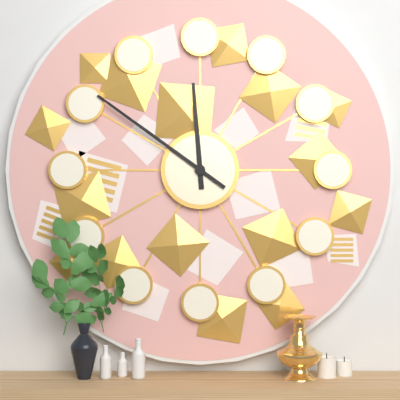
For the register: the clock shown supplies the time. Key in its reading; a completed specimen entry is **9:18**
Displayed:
**11:51**
